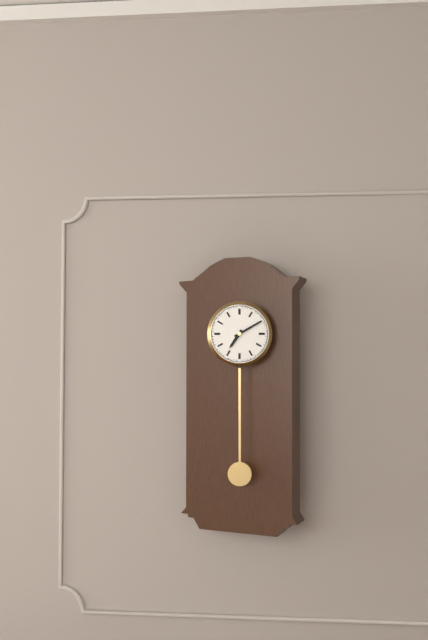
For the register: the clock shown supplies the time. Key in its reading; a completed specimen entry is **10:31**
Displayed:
**7:10**
